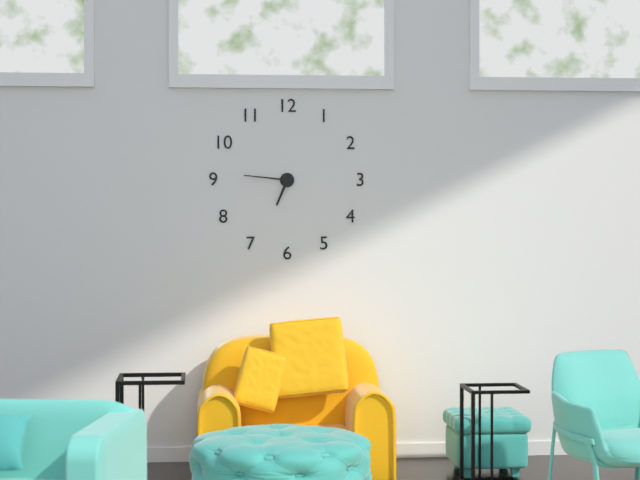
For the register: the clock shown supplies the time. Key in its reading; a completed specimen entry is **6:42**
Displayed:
**6:46**
